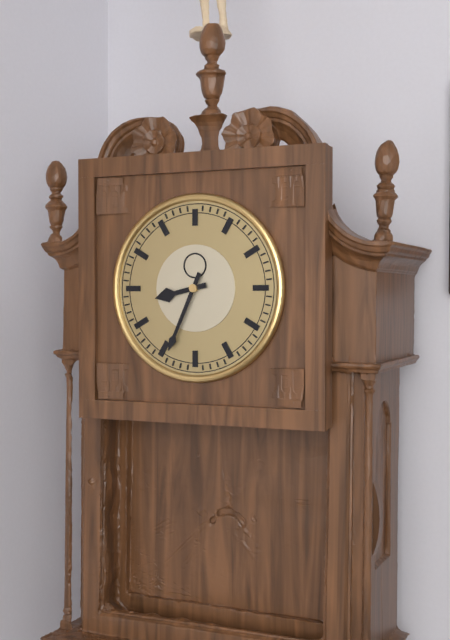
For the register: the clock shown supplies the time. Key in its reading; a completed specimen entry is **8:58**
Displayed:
**8:34**
